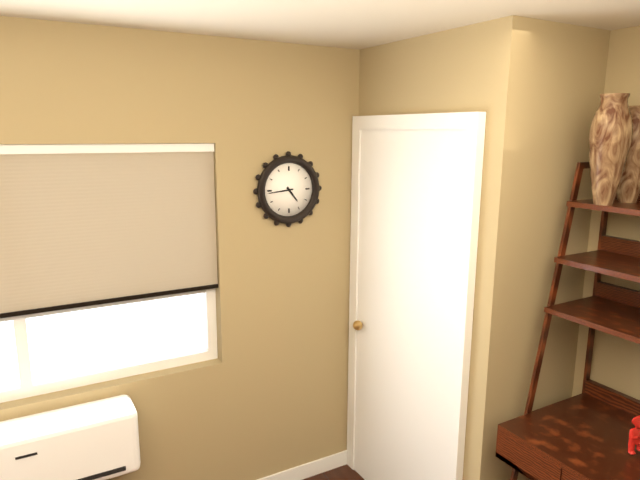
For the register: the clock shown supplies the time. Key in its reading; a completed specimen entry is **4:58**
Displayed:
**4:44**
